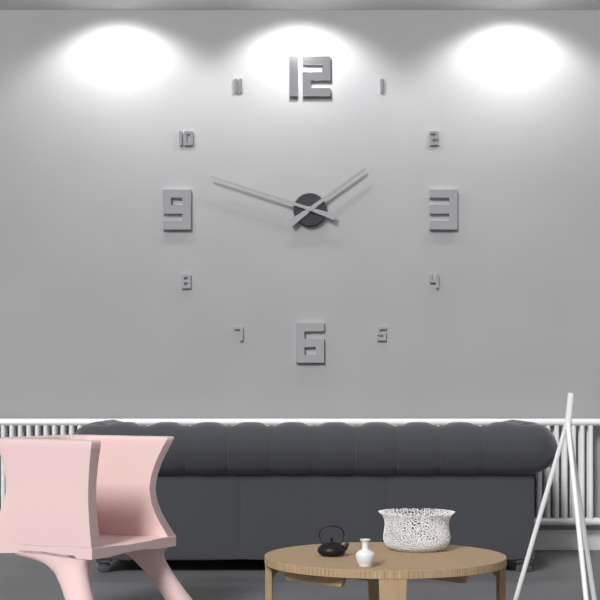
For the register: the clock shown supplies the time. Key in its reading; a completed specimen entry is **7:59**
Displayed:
**1:48**
